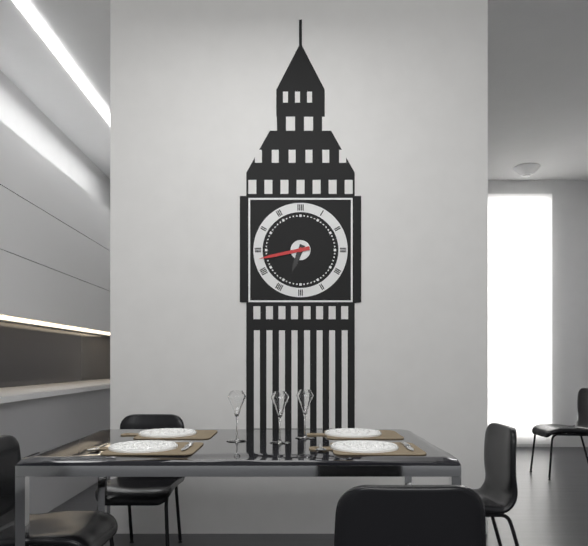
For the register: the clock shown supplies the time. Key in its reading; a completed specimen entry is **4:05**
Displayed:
**6:43**
